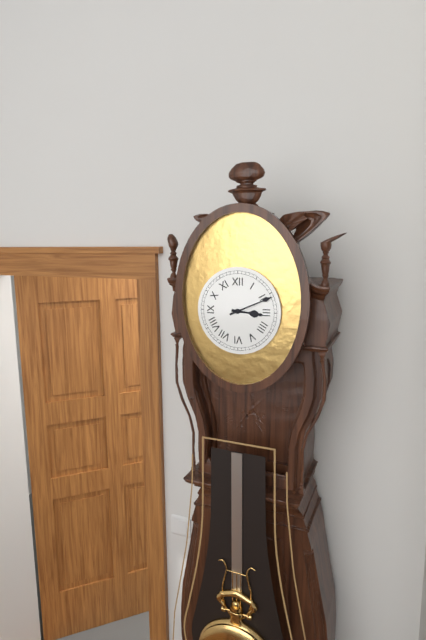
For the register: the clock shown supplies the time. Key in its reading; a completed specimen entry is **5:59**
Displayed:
**3:11**
